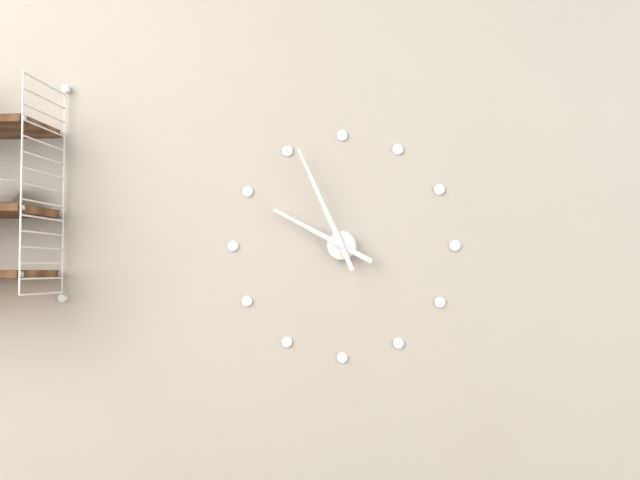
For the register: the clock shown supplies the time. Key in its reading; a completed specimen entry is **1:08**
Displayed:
**9:56**
